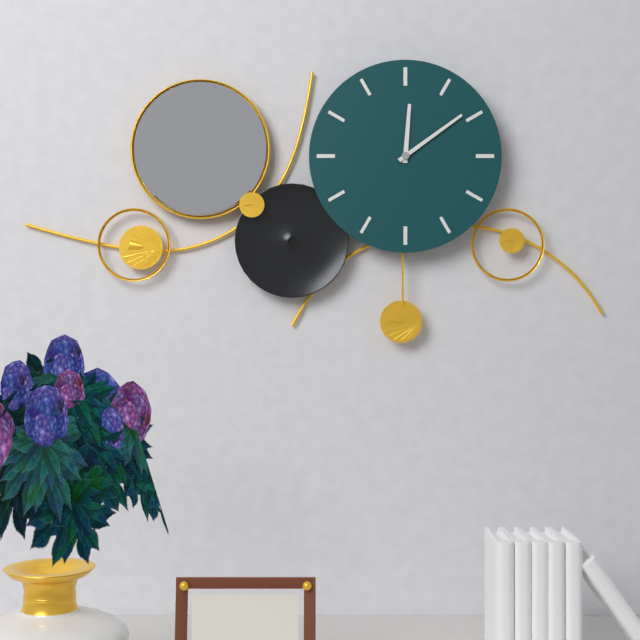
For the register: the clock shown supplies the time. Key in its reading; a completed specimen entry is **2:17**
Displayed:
**12:09**
